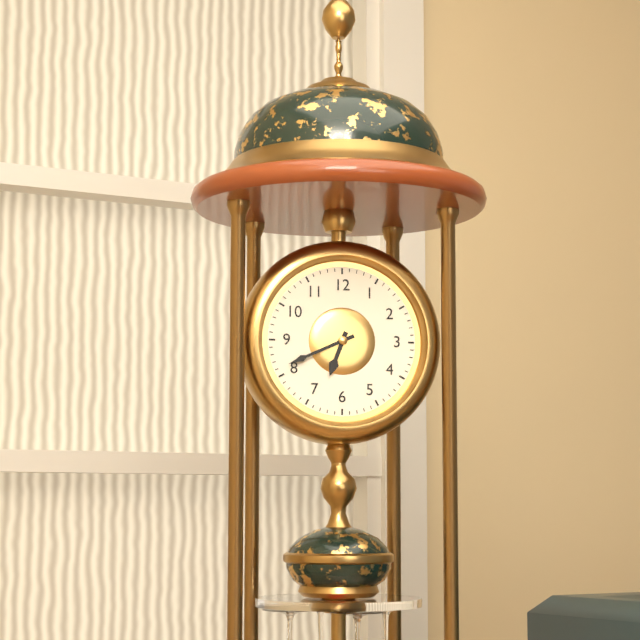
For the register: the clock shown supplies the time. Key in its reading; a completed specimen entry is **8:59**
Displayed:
**6:41**
